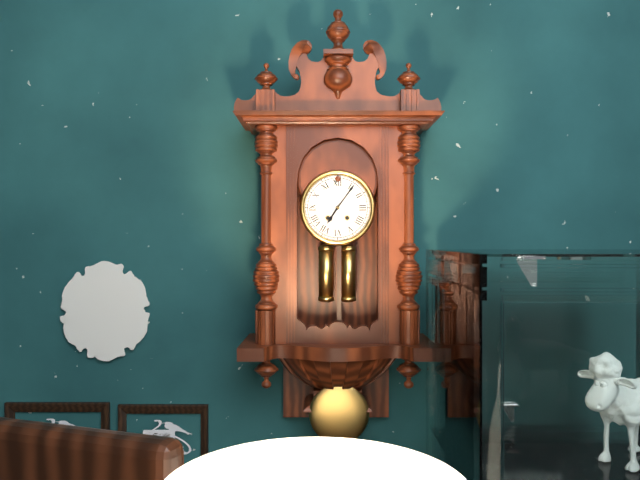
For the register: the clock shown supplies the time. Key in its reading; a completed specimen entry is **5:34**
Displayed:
**7:06**
